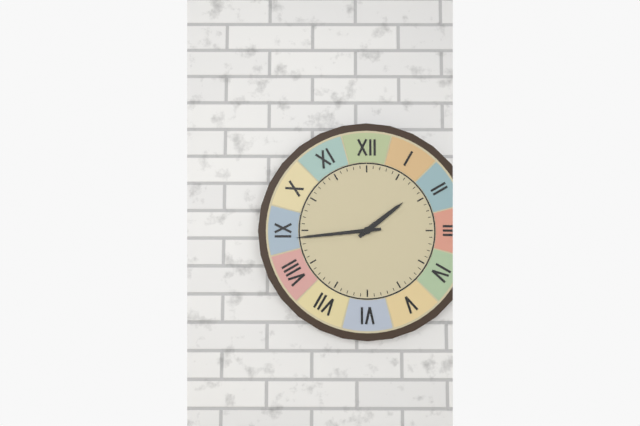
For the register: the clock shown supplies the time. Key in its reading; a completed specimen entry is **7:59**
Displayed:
**1:44**
